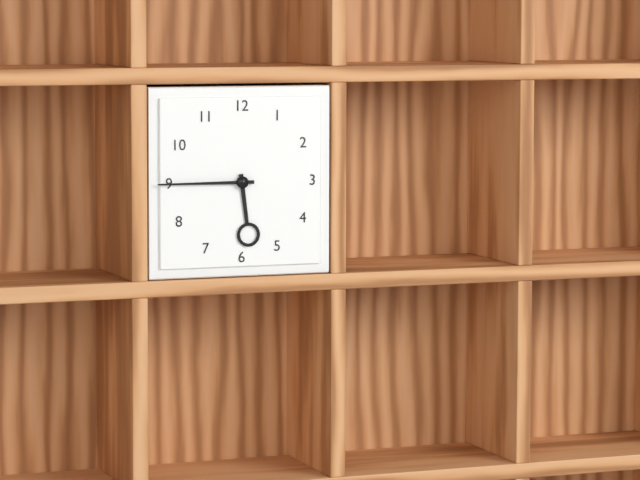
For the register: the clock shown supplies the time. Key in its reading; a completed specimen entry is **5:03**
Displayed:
**5:45**
